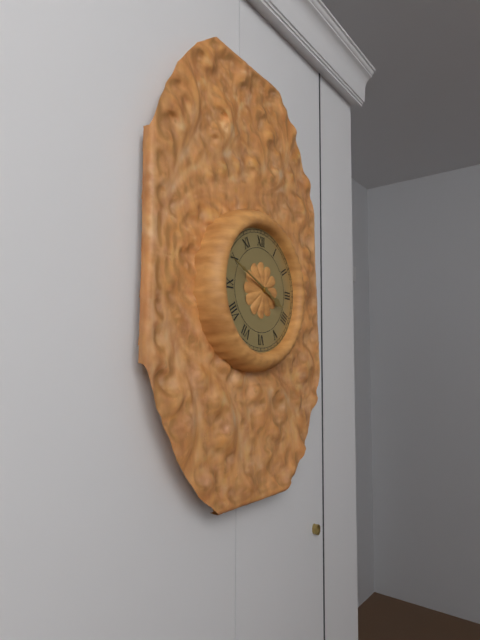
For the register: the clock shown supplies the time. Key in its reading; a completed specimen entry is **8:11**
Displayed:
**3:49**
